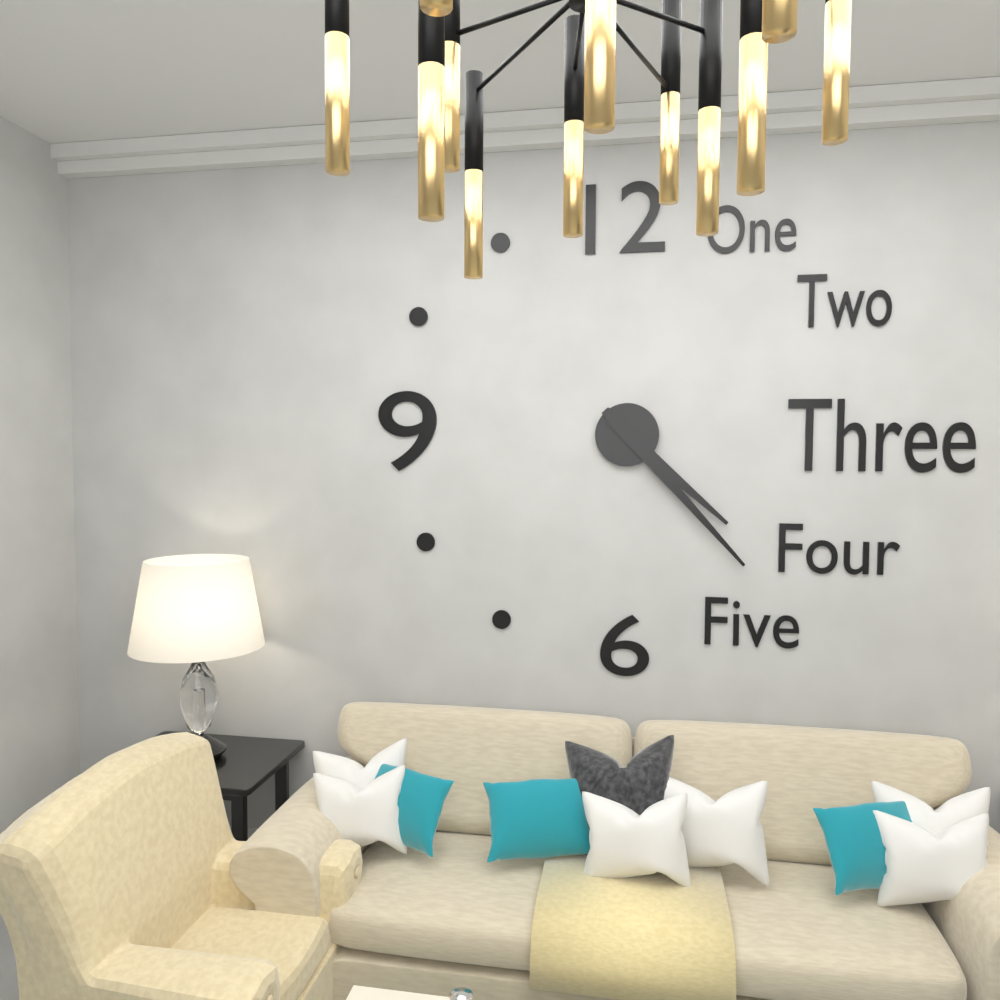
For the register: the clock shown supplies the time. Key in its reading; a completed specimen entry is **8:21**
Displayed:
**4:23**
